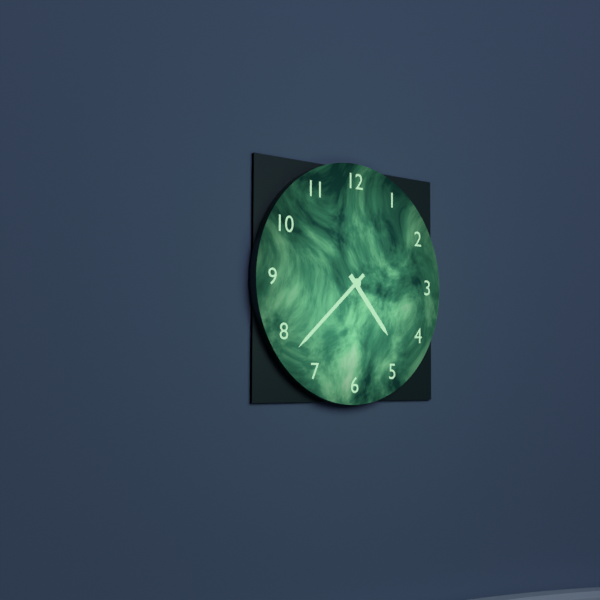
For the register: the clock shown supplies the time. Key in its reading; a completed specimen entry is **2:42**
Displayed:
**4:38**
